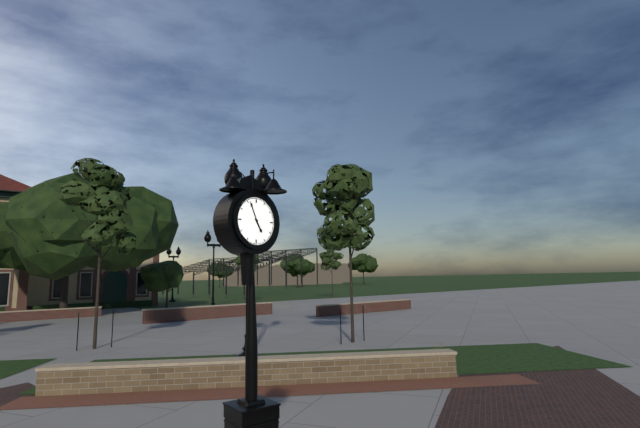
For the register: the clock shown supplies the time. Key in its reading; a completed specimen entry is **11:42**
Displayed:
**4:56**
